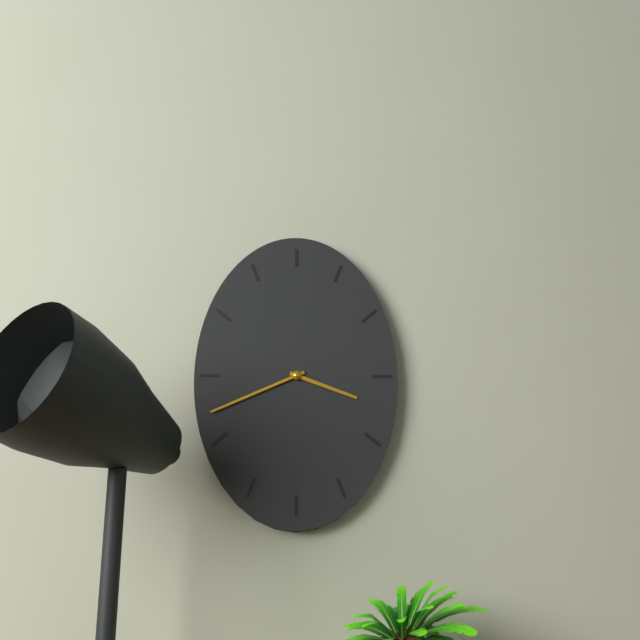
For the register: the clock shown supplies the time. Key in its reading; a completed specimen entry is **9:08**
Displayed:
**3:41**
